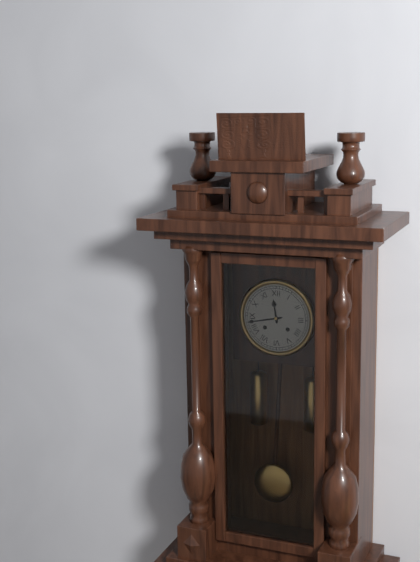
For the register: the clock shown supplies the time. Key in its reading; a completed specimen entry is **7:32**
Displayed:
**11:43**
